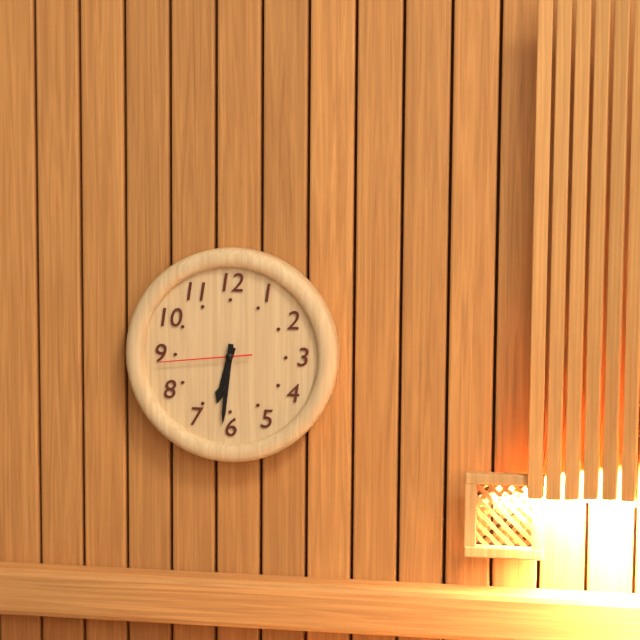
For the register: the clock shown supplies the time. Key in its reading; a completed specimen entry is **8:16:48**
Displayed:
**6:31:44**
